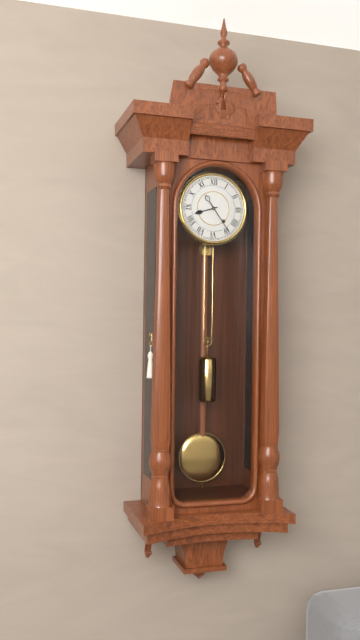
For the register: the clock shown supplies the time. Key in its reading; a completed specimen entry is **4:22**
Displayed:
**8:24**
